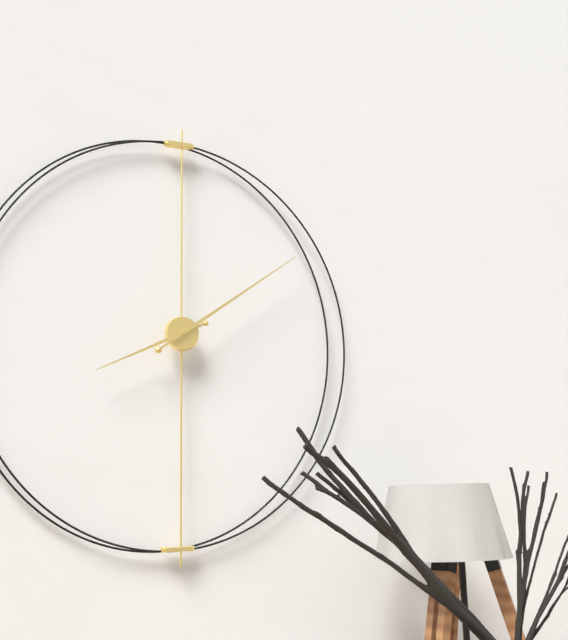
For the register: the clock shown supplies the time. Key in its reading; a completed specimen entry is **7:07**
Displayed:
**8:09**
